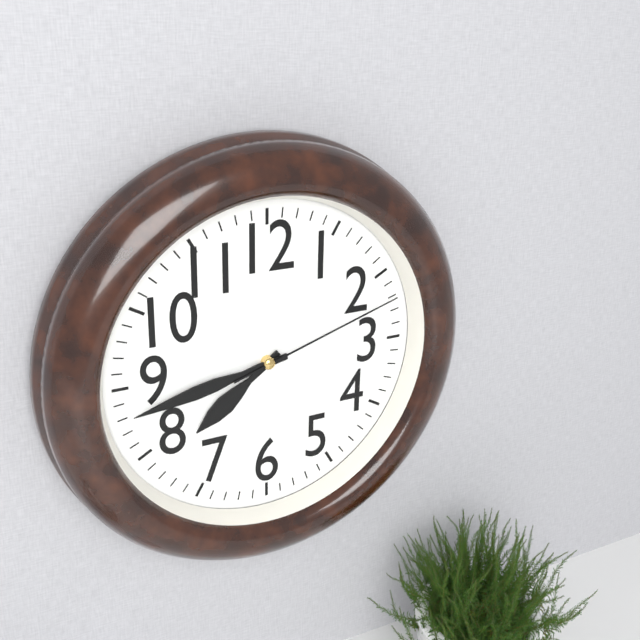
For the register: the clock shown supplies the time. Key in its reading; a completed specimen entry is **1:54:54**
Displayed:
**7:43:12**
